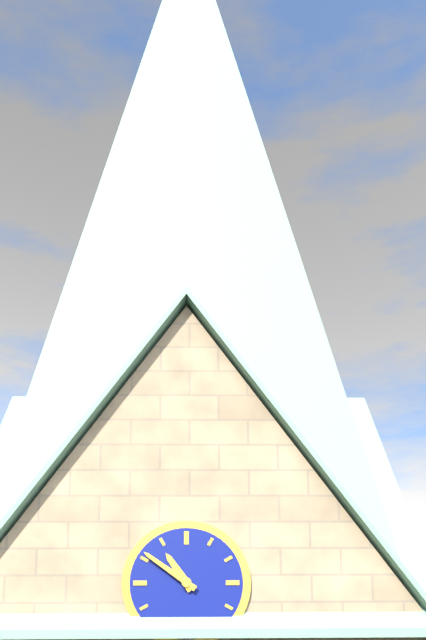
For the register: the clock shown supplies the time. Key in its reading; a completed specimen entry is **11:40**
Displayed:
**10:51**
